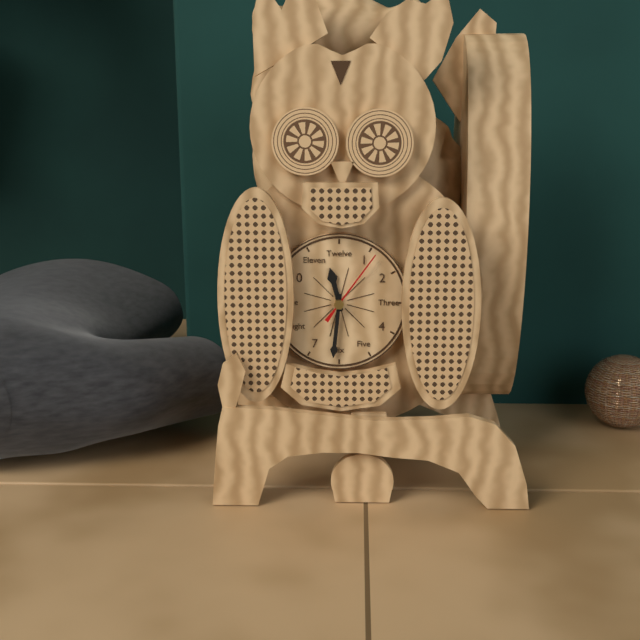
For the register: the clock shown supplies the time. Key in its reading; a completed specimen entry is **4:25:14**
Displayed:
**11:31:06**
